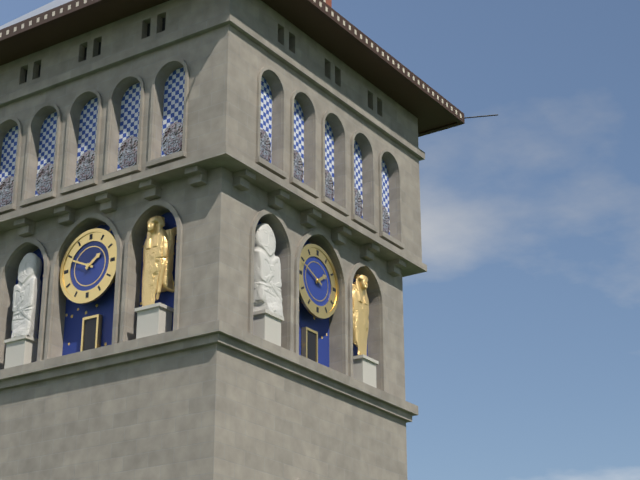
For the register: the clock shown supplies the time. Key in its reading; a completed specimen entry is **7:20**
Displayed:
**1:49**
